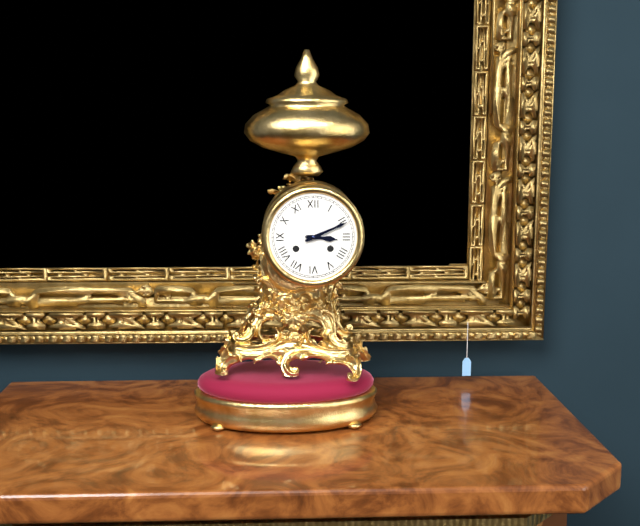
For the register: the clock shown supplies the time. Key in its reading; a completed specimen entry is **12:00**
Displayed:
**3:11**
